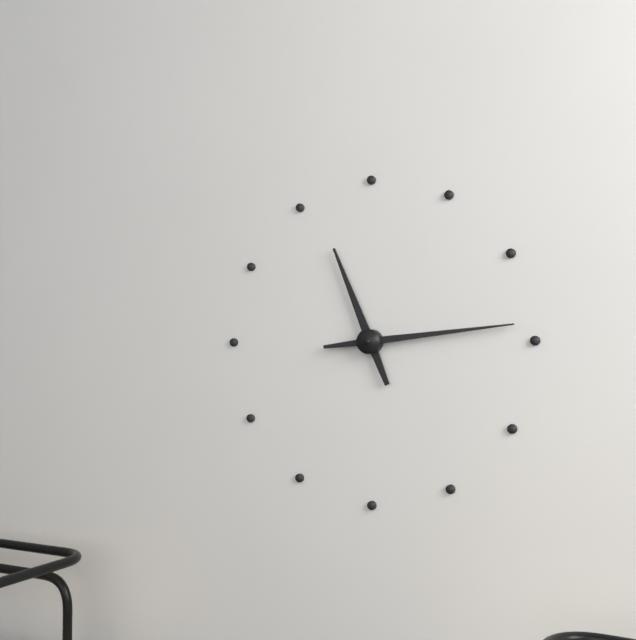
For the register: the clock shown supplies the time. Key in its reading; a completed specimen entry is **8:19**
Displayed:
**11:14**
